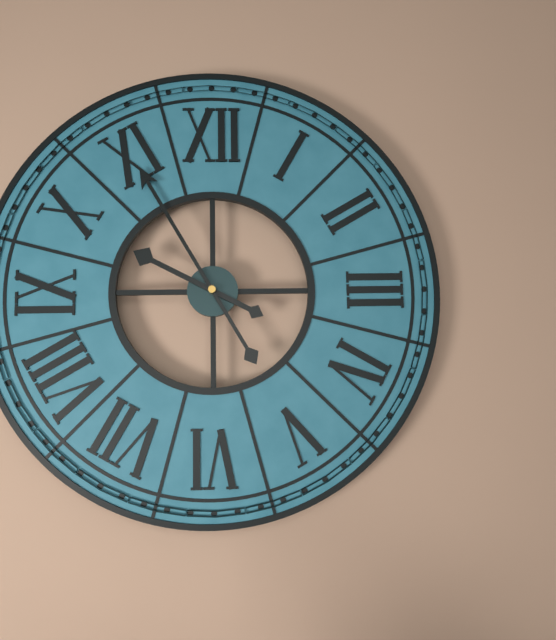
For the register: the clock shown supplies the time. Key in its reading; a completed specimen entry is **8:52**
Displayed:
**9:55**
